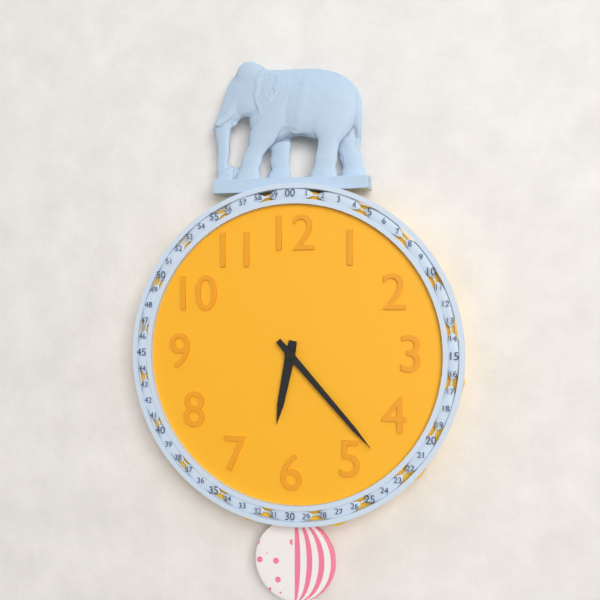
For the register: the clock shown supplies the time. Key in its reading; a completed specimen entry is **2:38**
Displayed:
**6:23**
